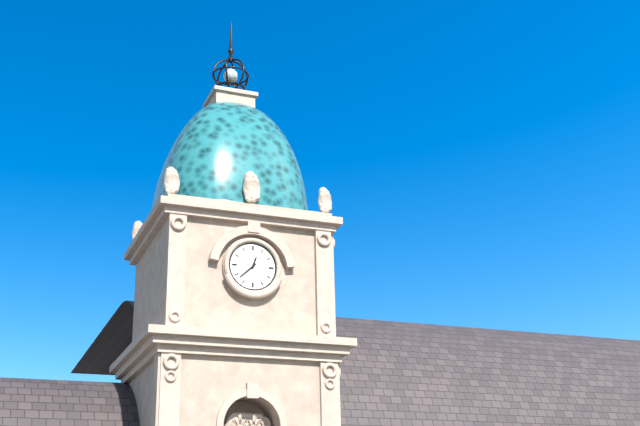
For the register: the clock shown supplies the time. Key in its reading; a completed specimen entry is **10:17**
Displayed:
**12:38**
